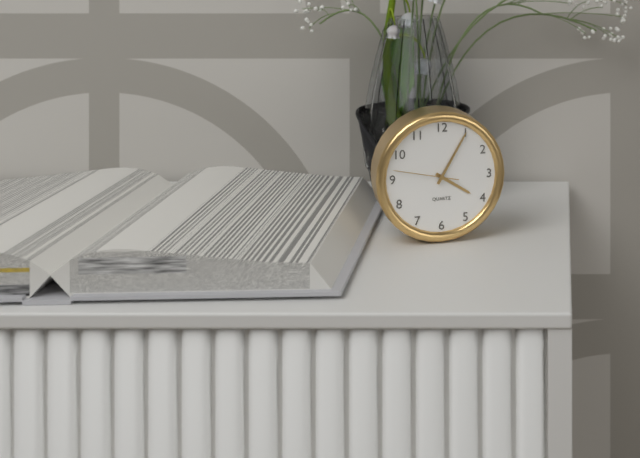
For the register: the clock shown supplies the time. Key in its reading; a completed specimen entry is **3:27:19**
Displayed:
**4:05:47**
